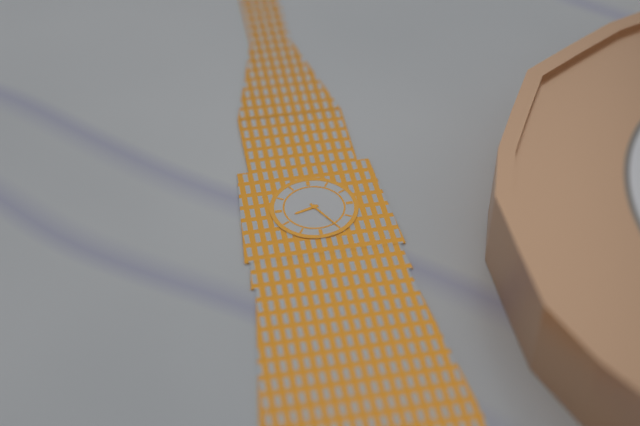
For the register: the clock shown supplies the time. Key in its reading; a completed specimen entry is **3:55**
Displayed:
**8:25**
